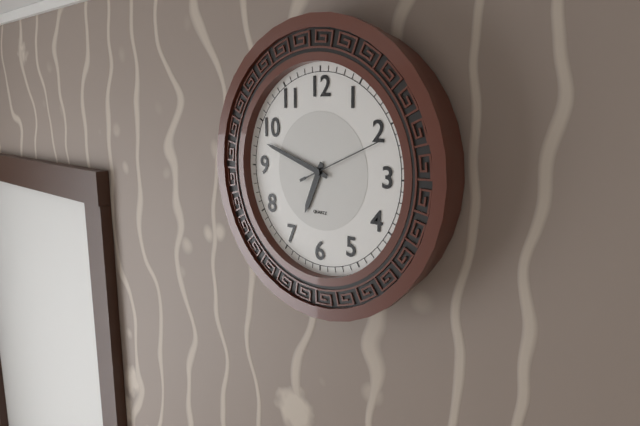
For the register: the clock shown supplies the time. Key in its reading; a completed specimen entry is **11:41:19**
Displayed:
**6:48:11**
